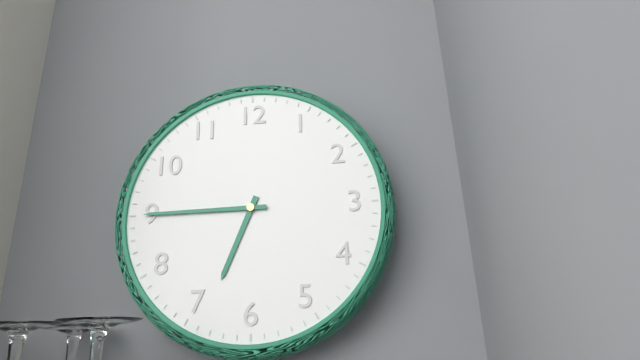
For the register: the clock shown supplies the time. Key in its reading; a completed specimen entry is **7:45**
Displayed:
**6:45**
